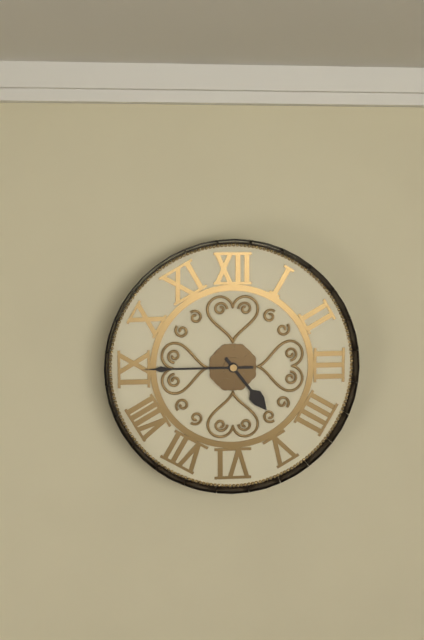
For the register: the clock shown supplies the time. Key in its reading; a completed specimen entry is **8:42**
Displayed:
**4:45**
